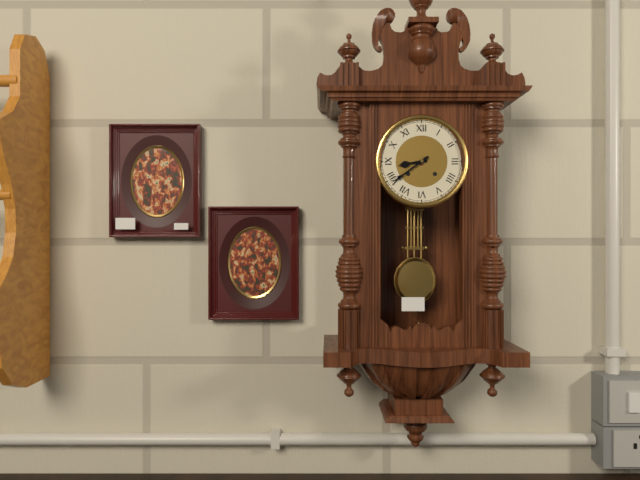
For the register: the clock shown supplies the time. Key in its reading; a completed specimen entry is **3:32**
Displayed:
**8:39**
